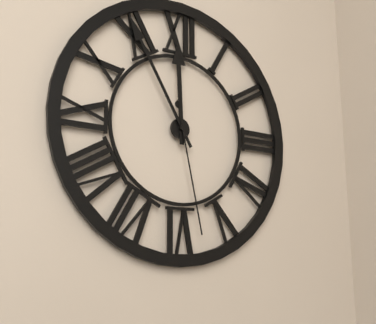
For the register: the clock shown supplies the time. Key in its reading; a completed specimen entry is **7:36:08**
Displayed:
**11:55:28**
